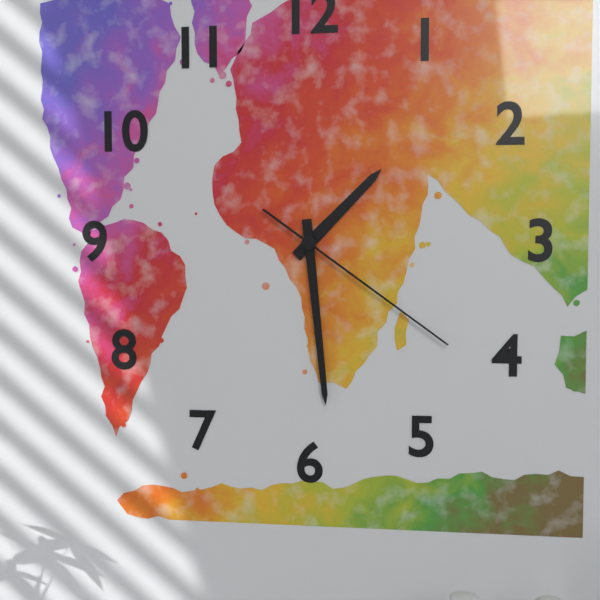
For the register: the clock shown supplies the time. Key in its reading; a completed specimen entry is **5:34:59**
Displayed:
**1:29:21**
